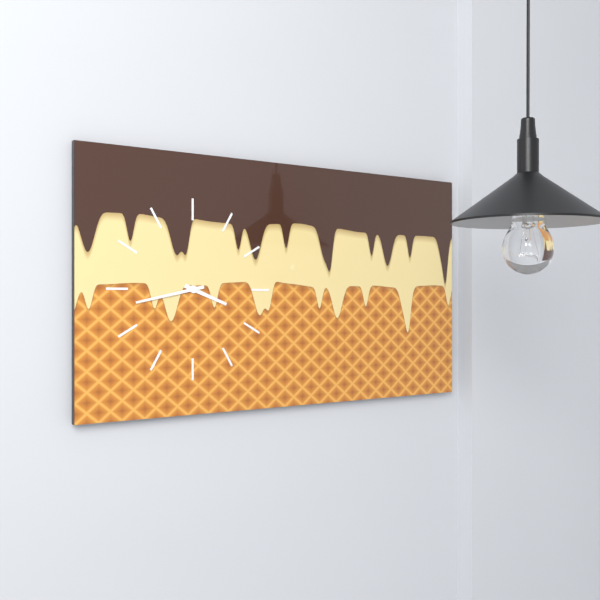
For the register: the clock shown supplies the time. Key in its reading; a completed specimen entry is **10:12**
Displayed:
**3:43**
